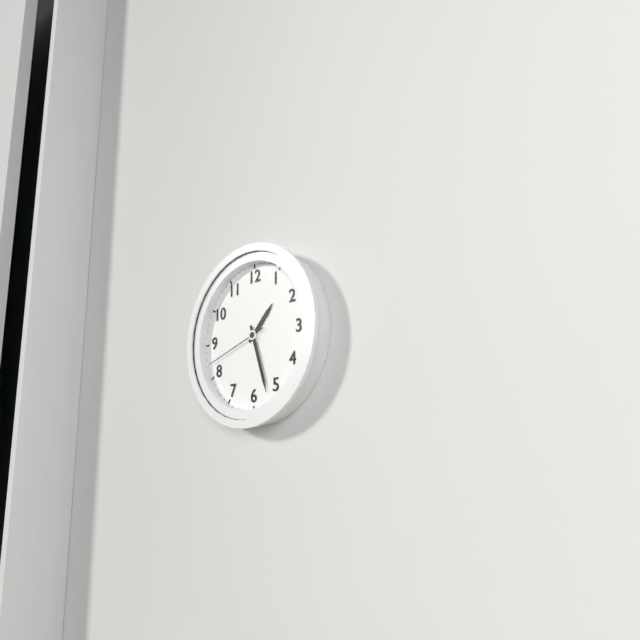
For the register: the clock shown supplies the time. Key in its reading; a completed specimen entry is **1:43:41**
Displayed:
**1:27:42**
